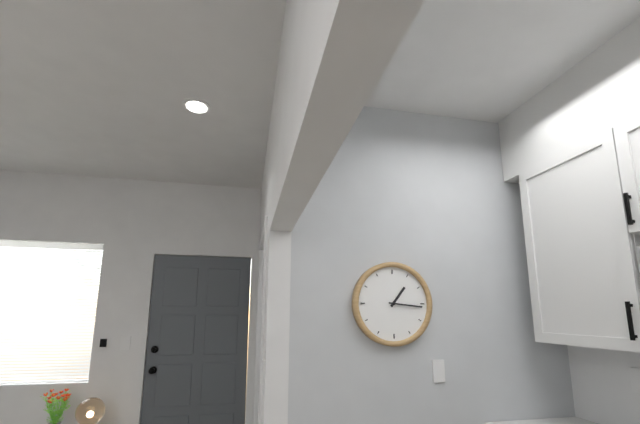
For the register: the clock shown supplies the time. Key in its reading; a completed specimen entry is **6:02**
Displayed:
**1:16**
